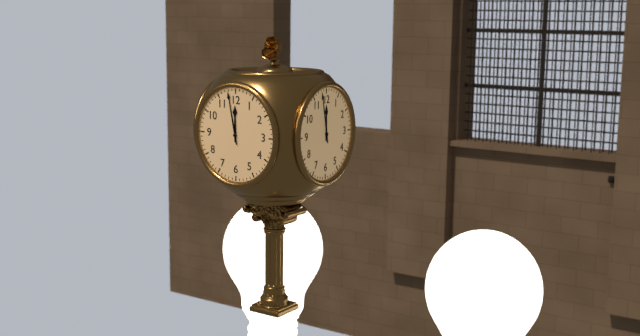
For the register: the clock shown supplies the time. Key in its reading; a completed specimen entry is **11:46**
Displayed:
**11:58**
